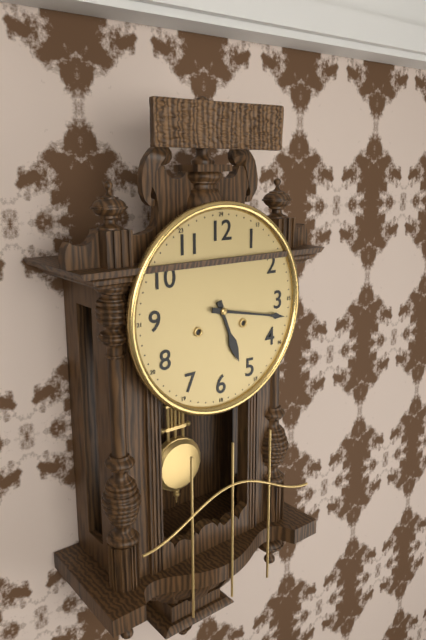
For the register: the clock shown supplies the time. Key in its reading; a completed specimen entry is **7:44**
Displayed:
**5:17**
